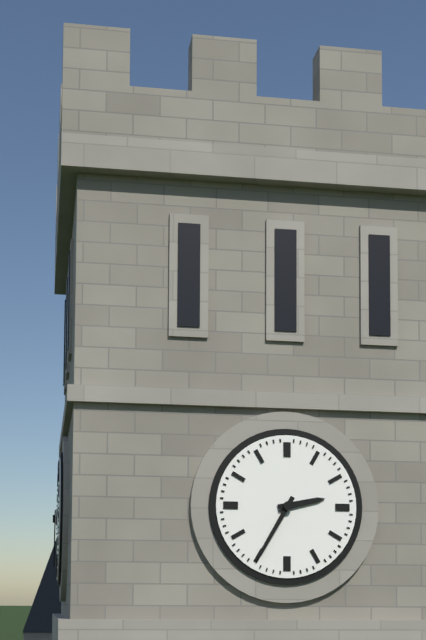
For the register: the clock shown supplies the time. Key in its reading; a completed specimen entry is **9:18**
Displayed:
**2:35**
